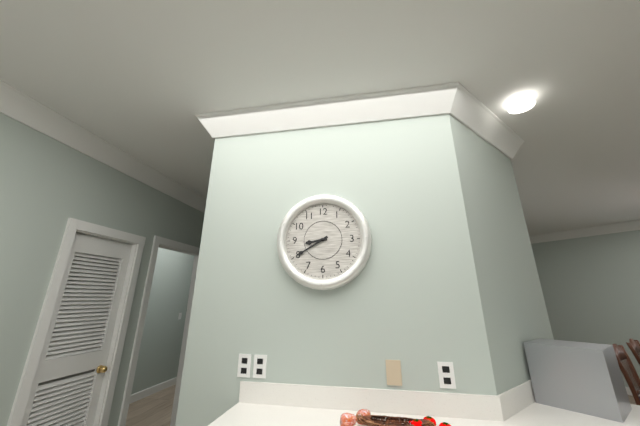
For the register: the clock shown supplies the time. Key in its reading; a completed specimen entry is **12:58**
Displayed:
**8:40**
